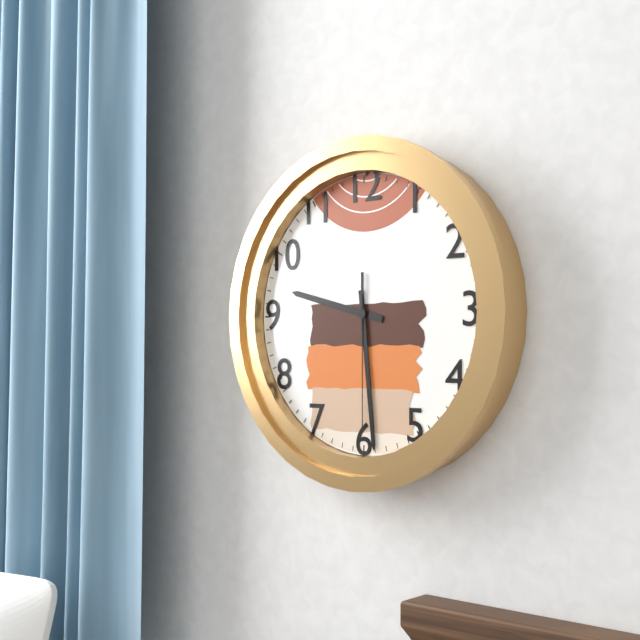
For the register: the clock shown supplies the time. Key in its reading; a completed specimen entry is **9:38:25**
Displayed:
**9:29:30**
